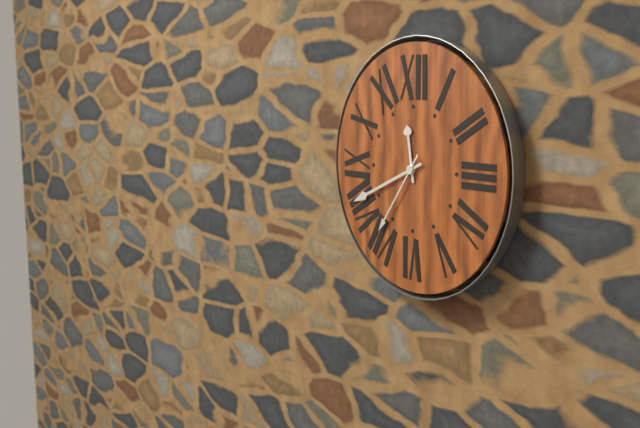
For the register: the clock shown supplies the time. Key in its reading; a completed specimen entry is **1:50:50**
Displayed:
**11:41:36**
